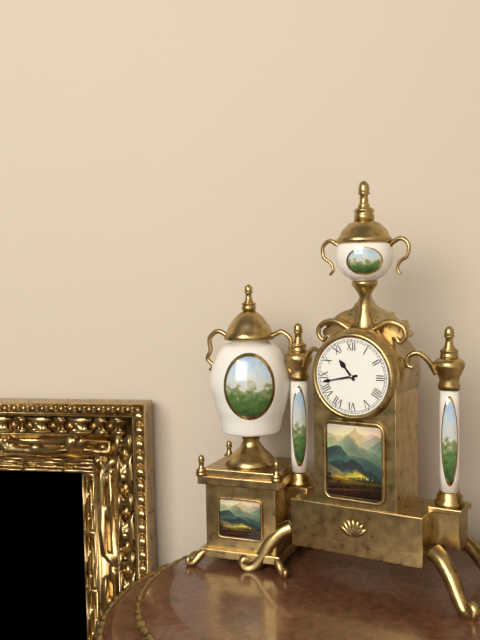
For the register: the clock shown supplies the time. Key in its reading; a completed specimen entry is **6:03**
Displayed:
**10:43**
